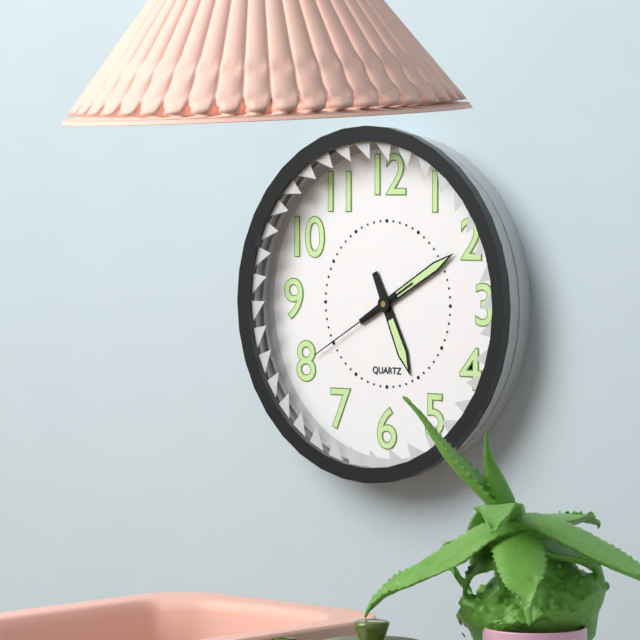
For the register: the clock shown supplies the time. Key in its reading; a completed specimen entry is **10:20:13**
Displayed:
**5:10:40**
